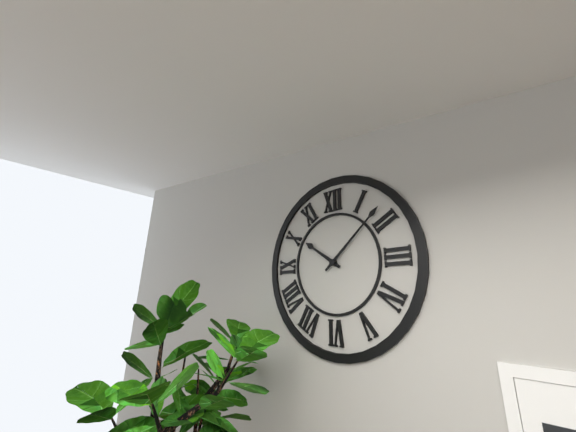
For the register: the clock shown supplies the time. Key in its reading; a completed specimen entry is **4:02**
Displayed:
**10:08**
